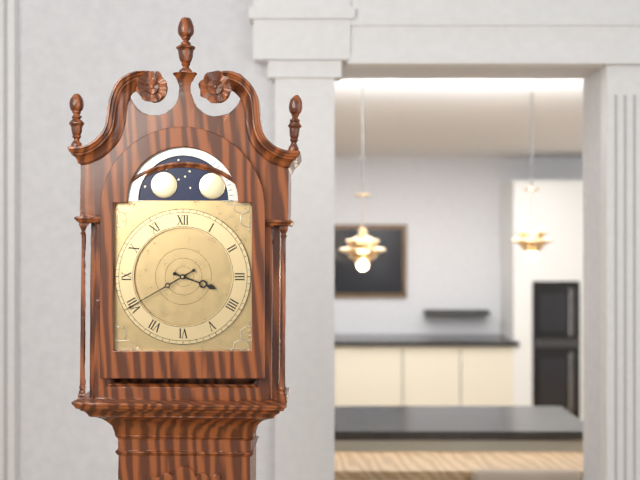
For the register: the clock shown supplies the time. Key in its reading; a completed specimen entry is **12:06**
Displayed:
**3:40**
